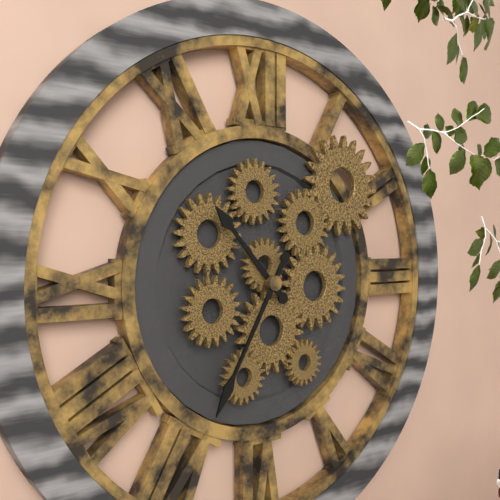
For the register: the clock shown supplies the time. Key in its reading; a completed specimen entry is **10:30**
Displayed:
**10:35**
